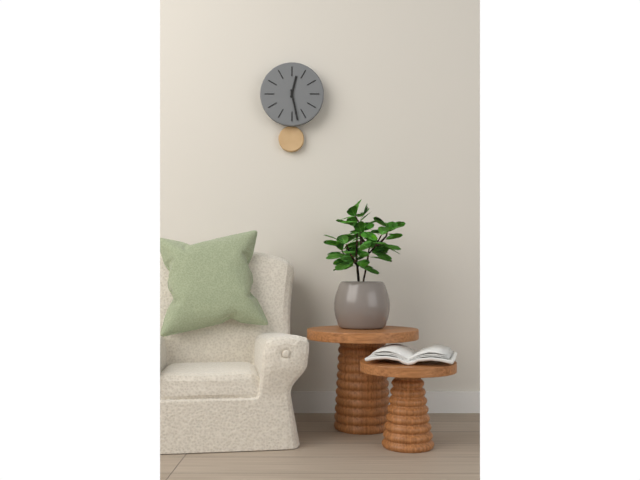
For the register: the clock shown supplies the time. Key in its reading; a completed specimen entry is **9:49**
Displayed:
**12:28**
